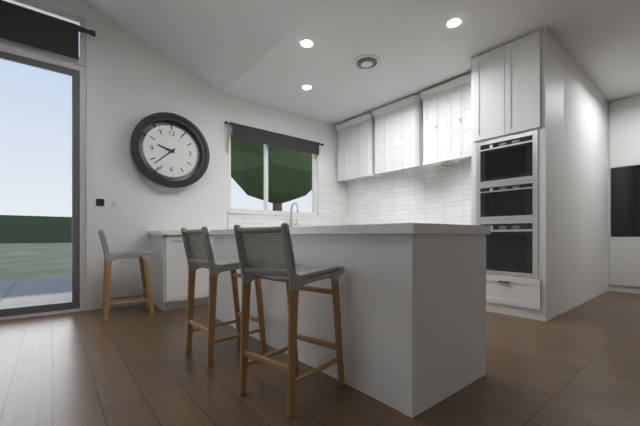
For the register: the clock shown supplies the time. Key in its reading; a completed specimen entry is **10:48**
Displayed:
**9:38**
